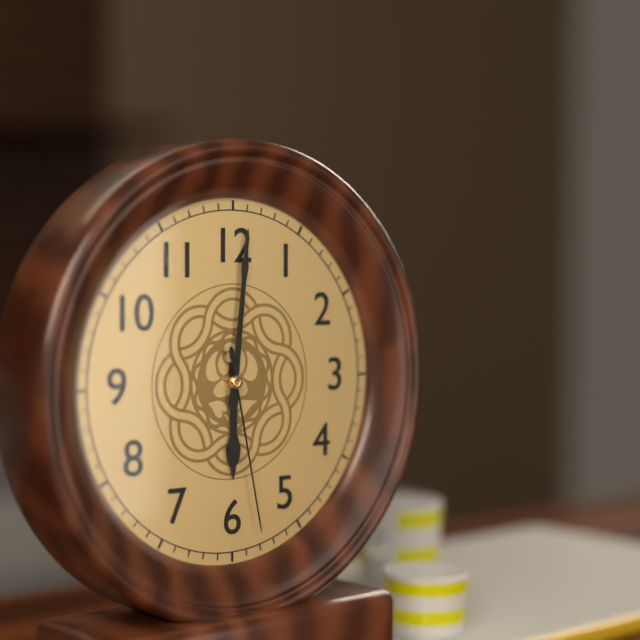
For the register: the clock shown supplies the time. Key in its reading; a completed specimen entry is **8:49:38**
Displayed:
**6:01:28**
